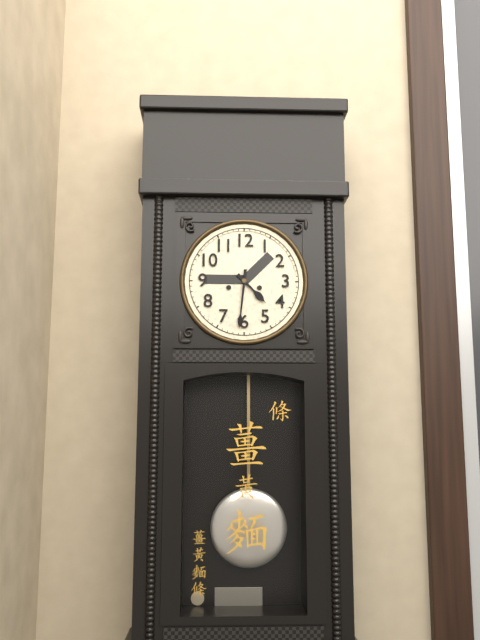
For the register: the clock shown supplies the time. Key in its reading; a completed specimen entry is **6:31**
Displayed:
**4:31**
